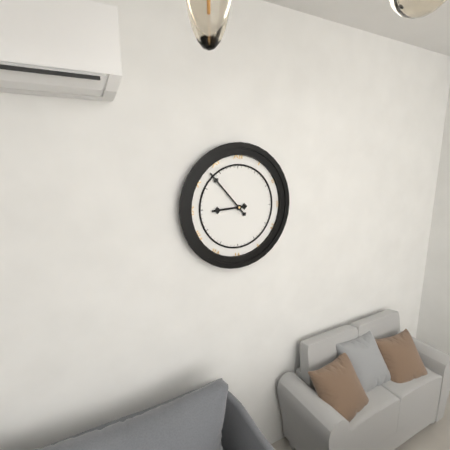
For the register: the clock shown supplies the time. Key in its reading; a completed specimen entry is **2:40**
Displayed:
**8:53**
